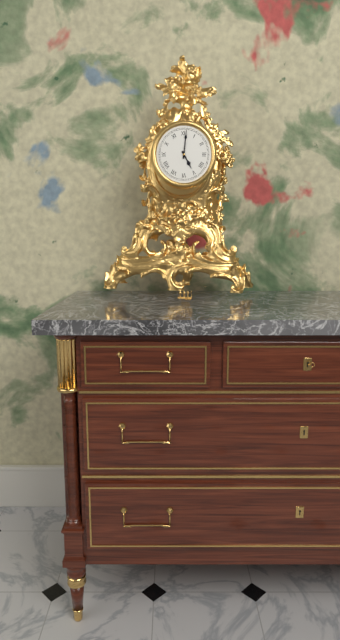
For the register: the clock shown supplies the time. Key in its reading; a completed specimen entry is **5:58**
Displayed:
**5:01**
